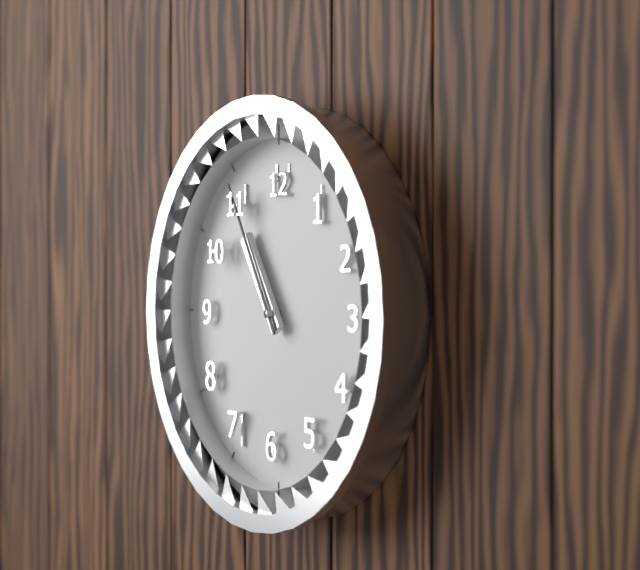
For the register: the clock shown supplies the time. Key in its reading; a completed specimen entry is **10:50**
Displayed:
**10:55**
